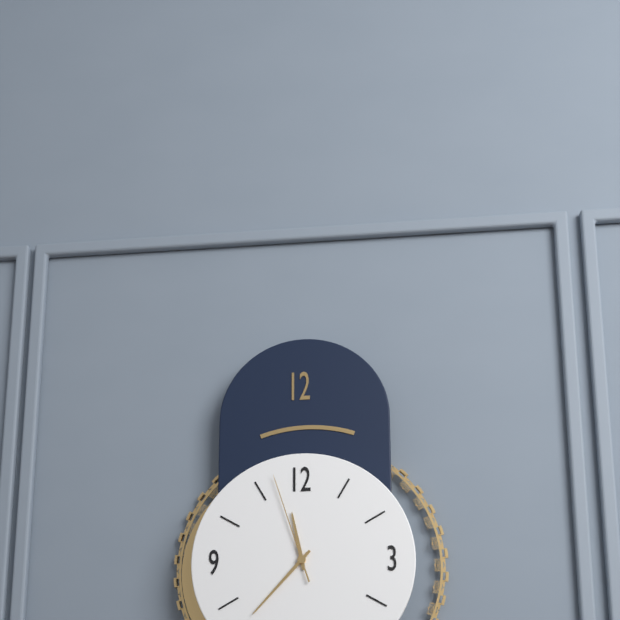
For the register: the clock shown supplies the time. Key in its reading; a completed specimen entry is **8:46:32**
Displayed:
**11:37:57**
